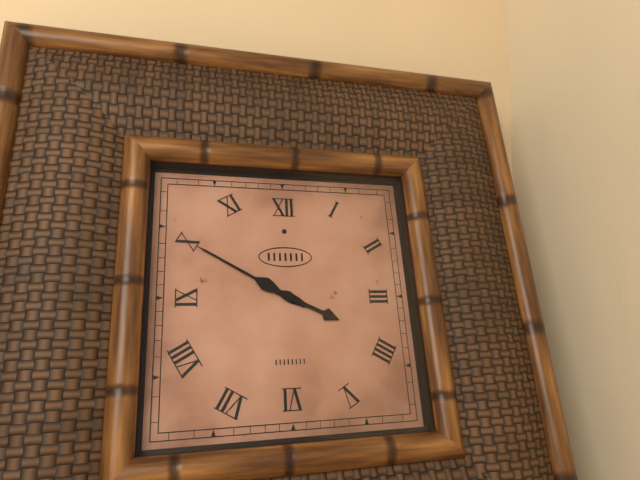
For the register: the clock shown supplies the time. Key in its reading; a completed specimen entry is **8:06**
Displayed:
**3:50**
